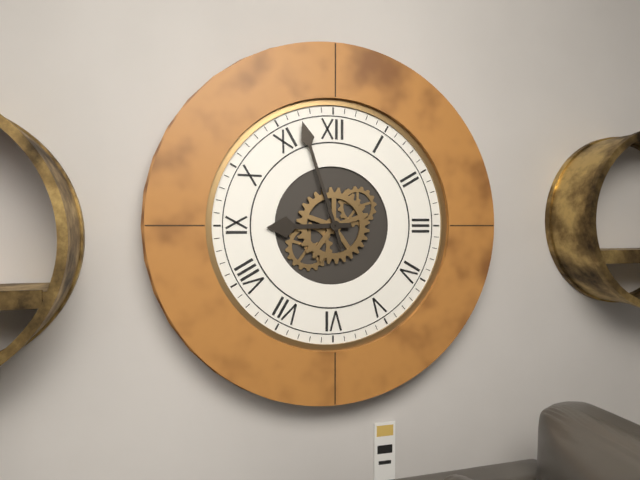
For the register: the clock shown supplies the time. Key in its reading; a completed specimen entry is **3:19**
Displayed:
**8:57**
